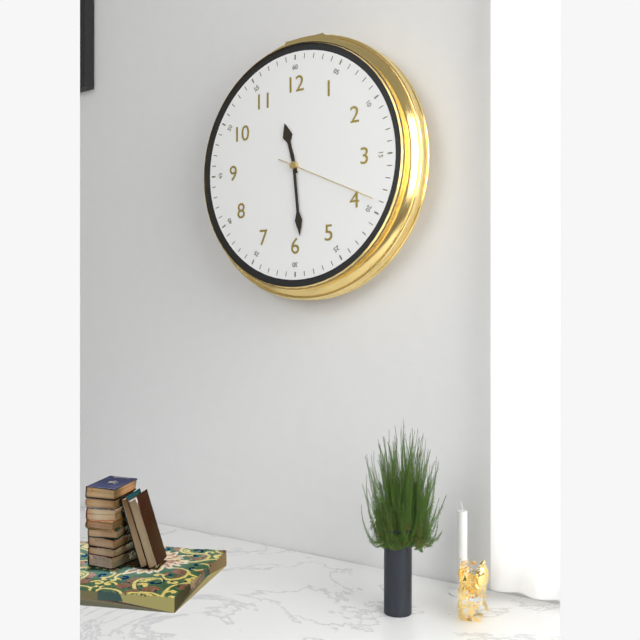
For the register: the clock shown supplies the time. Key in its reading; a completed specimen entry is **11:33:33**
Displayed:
**11:29:19**
